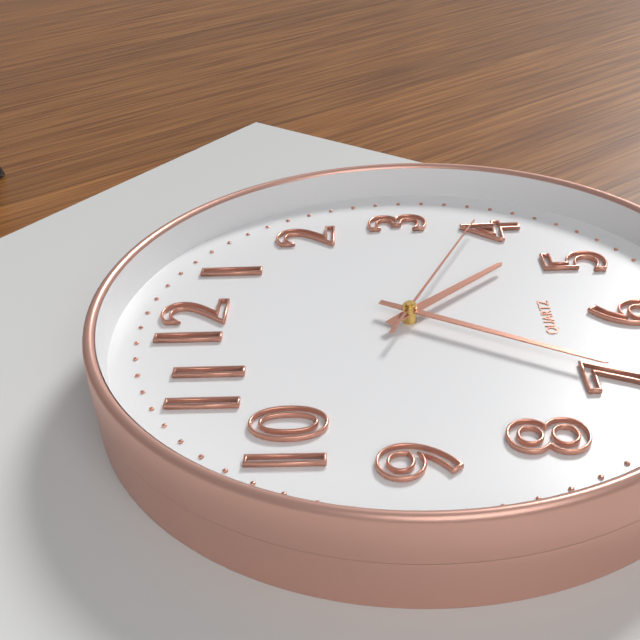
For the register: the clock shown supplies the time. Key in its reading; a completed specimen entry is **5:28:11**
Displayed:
**4:35:19**
